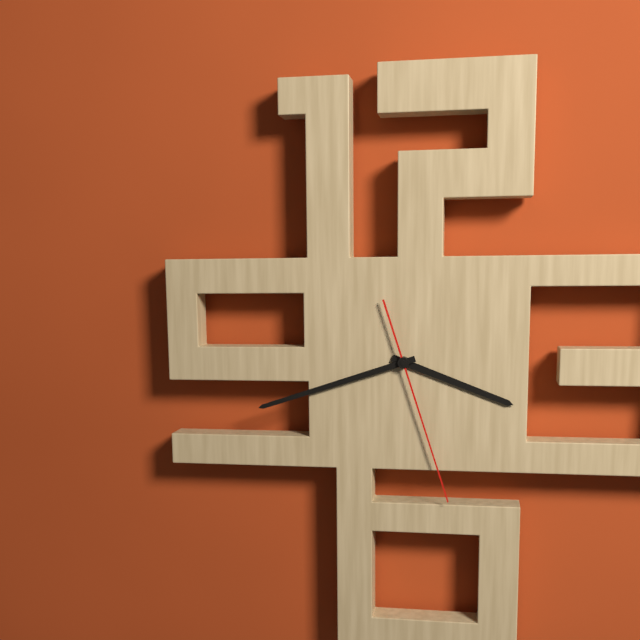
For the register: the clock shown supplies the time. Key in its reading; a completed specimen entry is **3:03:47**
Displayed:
**3:42:27**
